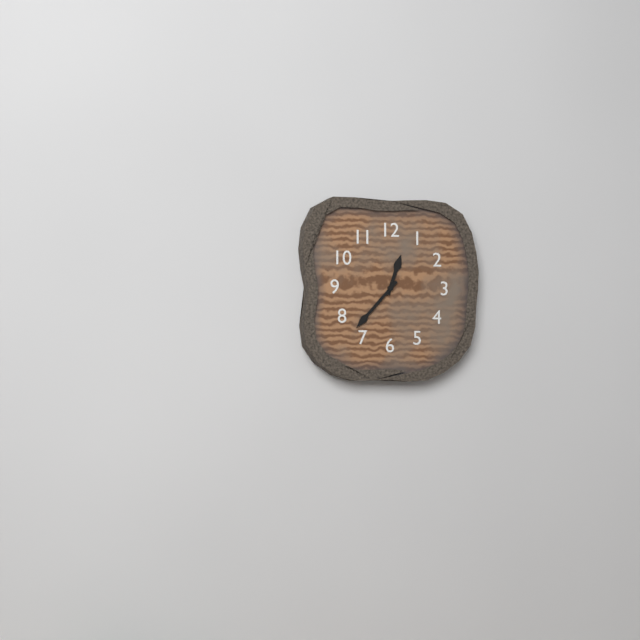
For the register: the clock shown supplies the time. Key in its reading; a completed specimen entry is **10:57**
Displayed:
**12:37**
